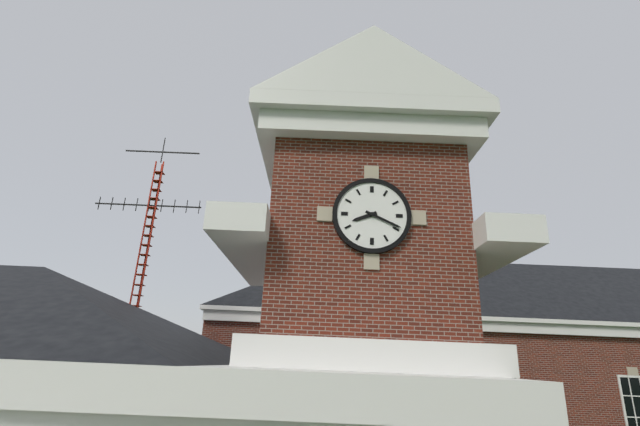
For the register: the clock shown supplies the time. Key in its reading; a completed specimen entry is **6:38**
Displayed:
**8:19**
